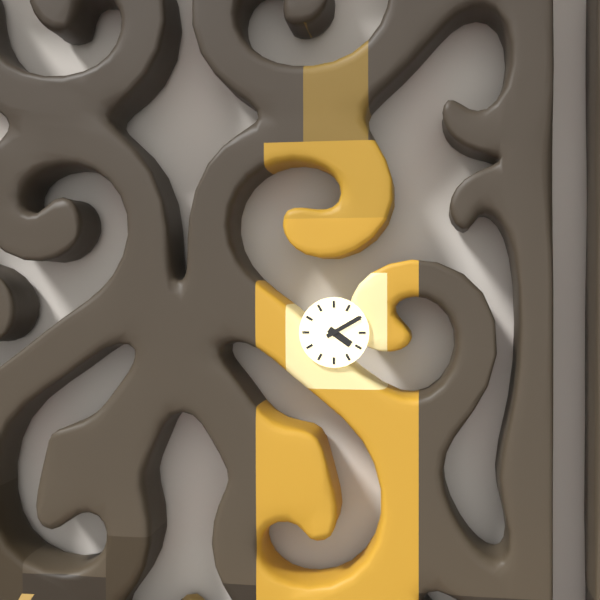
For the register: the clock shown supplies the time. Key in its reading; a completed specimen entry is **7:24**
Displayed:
**4:10**
